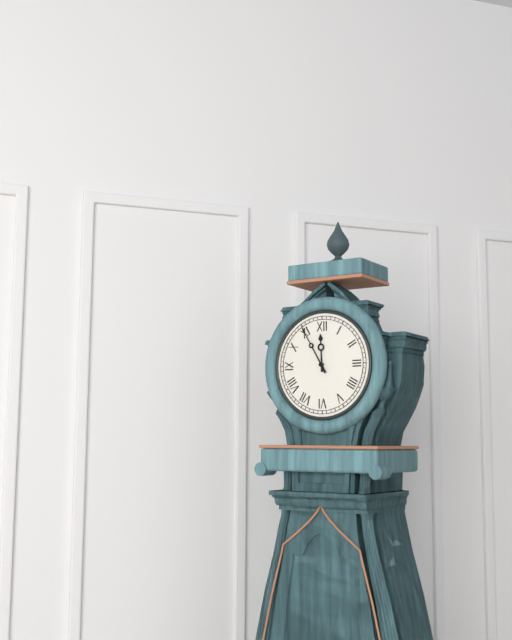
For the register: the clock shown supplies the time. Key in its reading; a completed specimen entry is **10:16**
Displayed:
**11:55**
